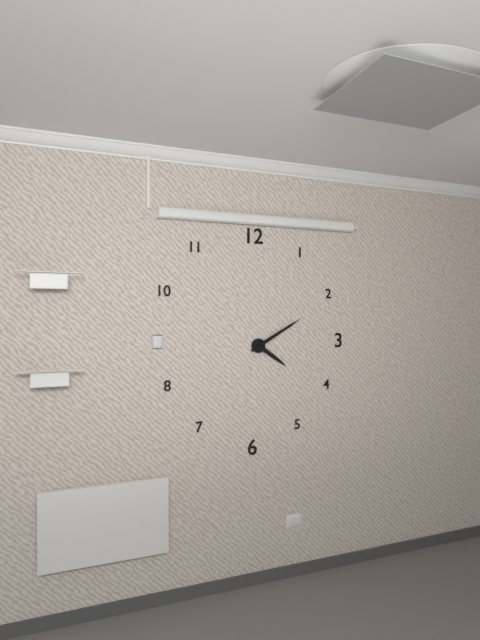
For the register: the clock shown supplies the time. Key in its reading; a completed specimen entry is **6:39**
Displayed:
**4:10**
